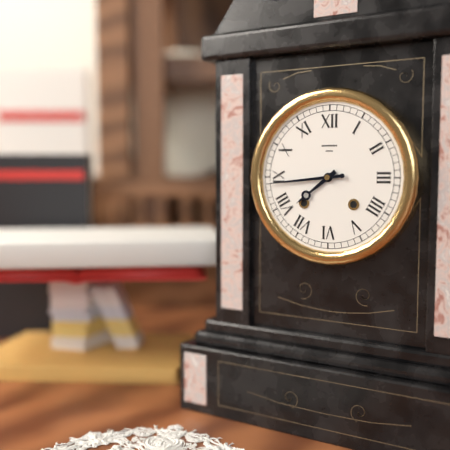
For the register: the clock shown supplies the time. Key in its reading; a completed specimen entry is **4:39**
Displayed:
**7:44**
